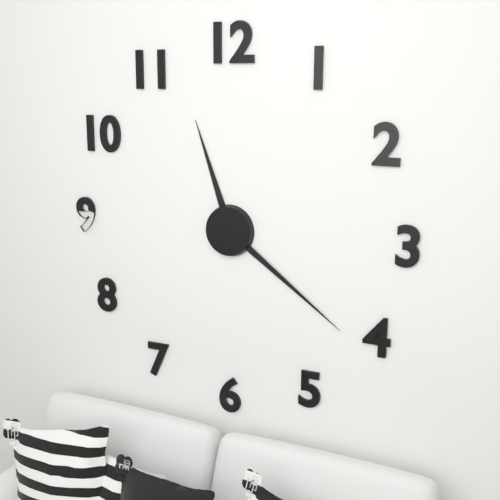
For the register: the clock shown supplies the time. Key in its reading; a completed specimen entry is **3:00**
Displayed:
**11:21**
